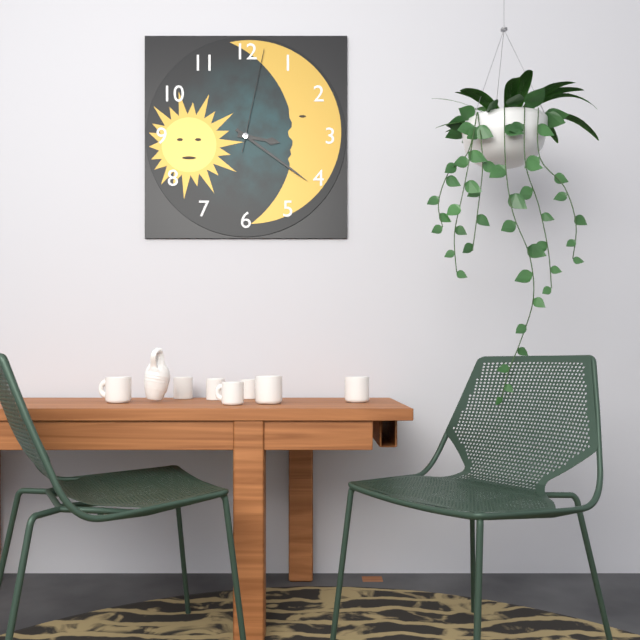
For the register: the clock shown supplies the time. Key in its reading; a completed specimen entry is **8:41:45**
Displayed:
**3:21:02**
